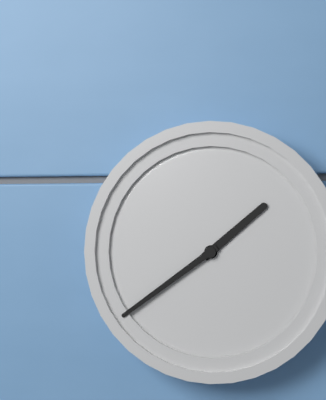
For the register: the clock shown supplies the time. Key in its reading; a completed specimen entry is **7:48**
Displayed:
**1:39**
